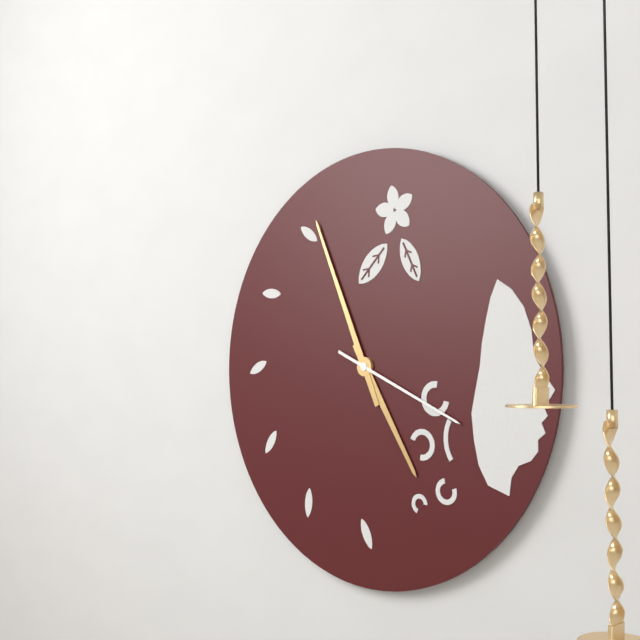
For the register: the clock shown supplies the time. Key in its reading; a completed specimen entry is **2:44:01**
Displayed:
**4:56:19**
